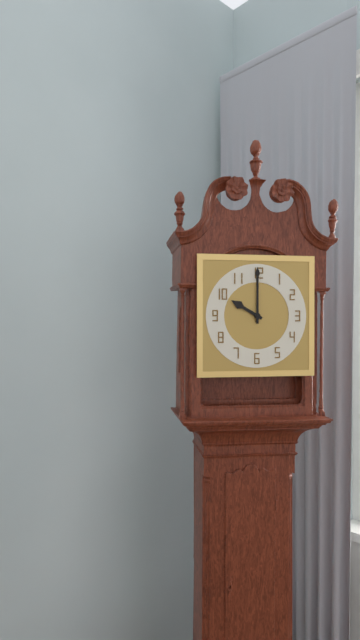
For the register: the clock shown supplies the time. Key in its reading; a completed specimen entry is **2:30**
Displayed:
**10:00**
